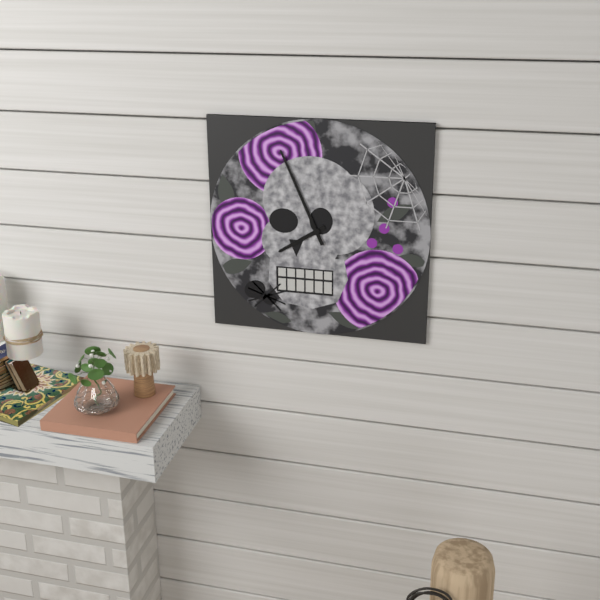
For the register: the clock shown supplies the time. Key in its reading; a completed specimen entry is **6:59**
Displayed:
**7:56**
